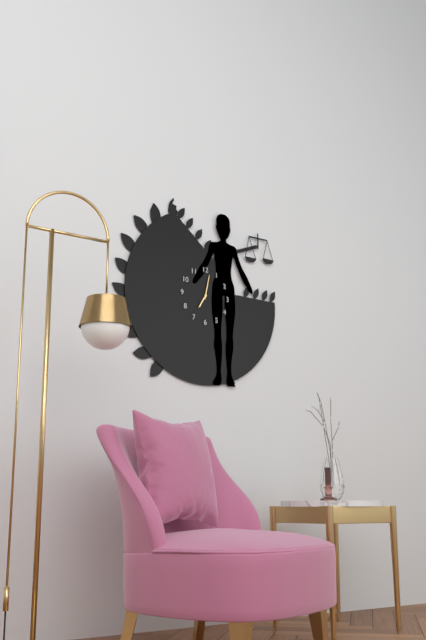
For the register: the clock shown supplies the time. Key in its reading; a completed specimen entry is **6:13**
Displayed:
**7:02**
